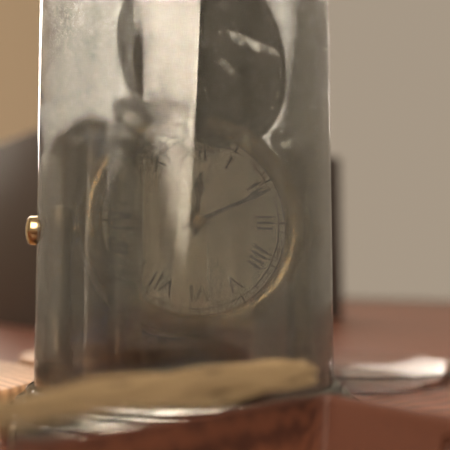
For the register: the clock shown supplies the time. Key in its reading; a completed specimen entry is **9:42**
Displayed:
**12:11**
